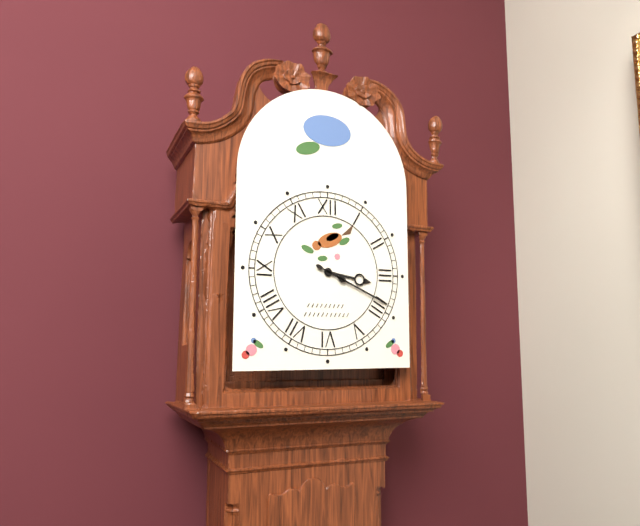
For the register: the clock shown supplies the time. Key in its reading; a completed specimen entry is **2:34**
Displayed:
**3:19**
